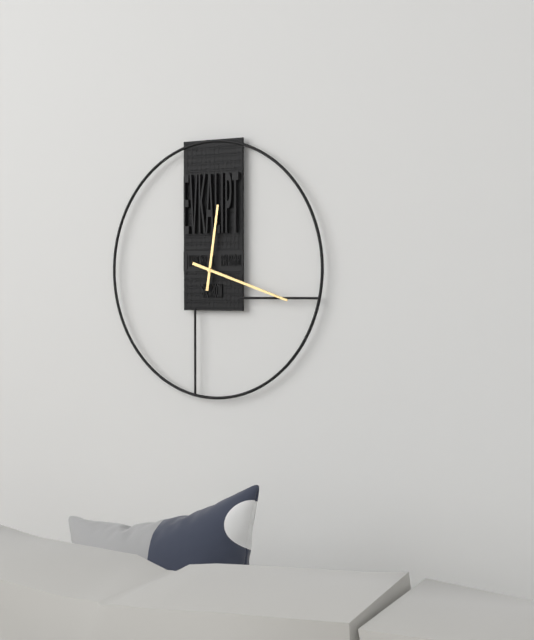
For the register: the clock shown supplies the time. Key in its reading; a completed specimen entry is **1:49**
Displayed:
**12:18**
